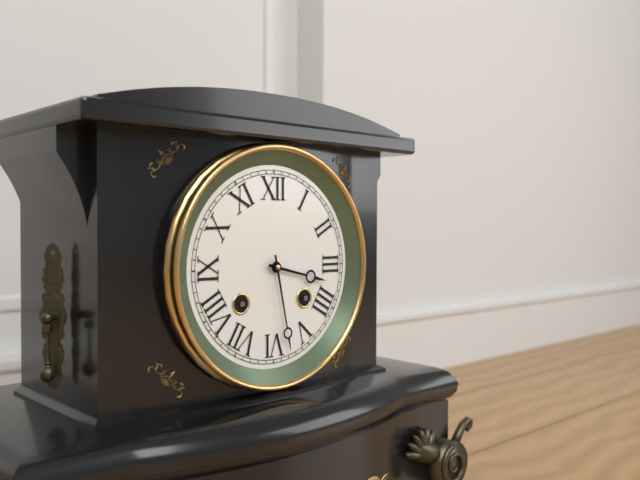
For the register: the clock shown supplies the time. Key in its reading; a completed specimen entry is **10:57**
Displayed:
**3:28**
